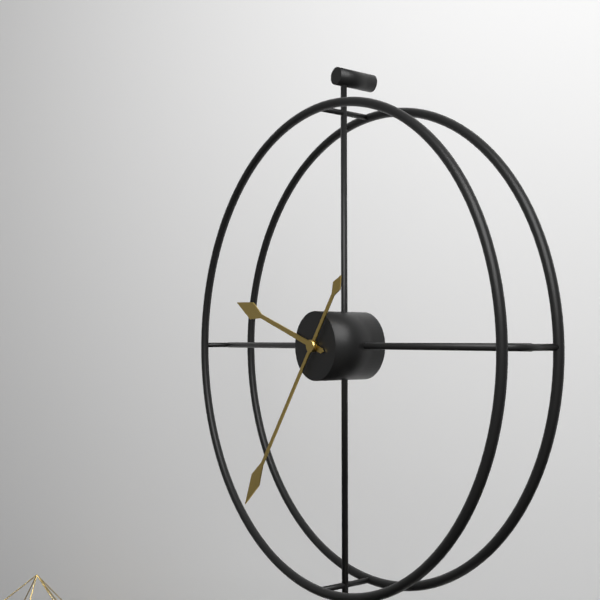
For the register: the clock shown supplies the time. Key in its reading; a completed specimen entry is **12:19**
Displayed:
**9:36**
